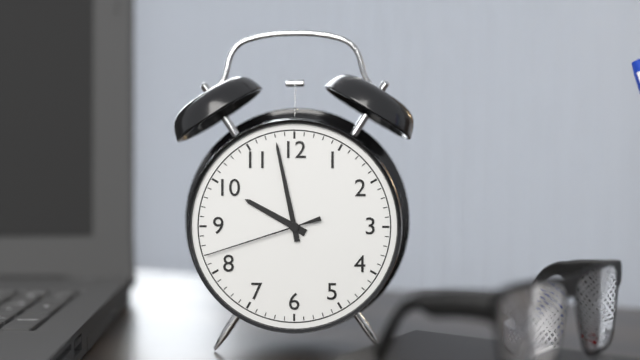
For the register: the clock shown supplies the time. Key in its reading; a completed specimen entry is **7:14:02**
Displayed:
**9:58:42**
